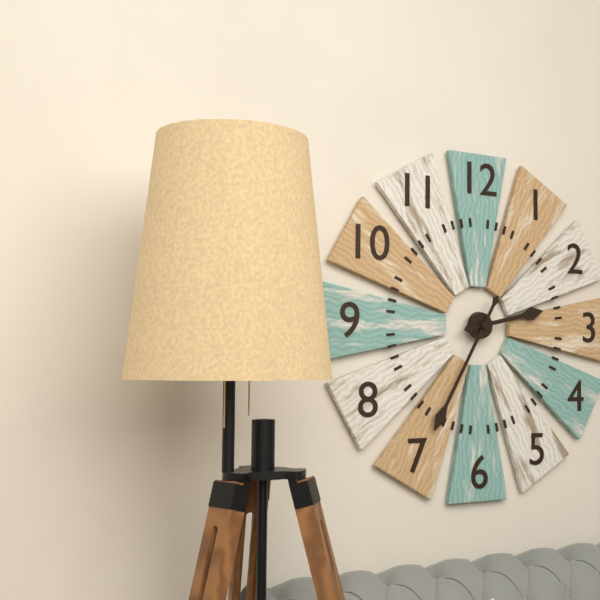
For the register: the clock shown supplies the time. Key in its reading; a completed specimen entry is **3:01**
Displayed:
**2:35**
